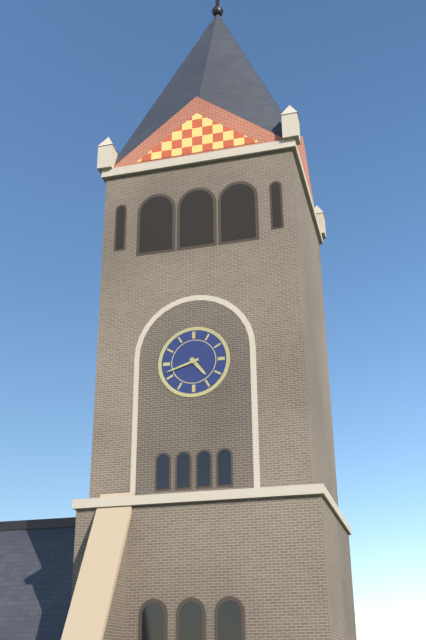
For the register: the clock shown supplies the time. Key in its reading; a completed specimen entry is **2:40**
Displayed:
**4:42**
